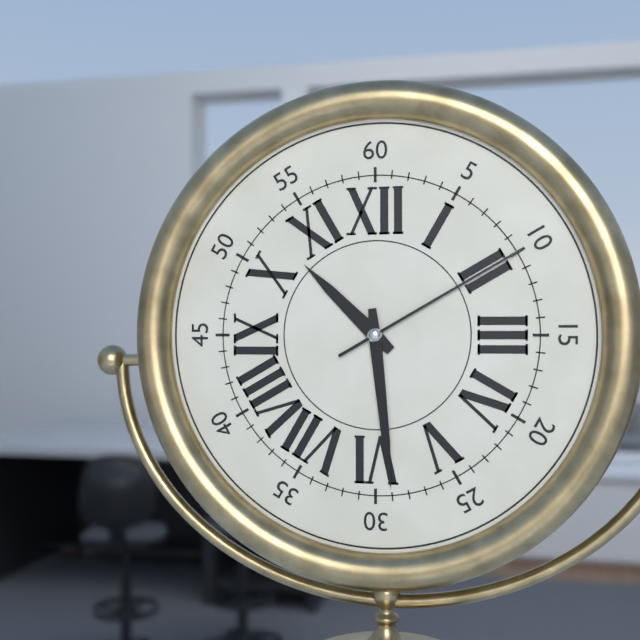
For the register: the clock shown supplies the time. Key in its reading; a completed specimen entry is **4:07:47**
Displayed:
**10:29:10**
